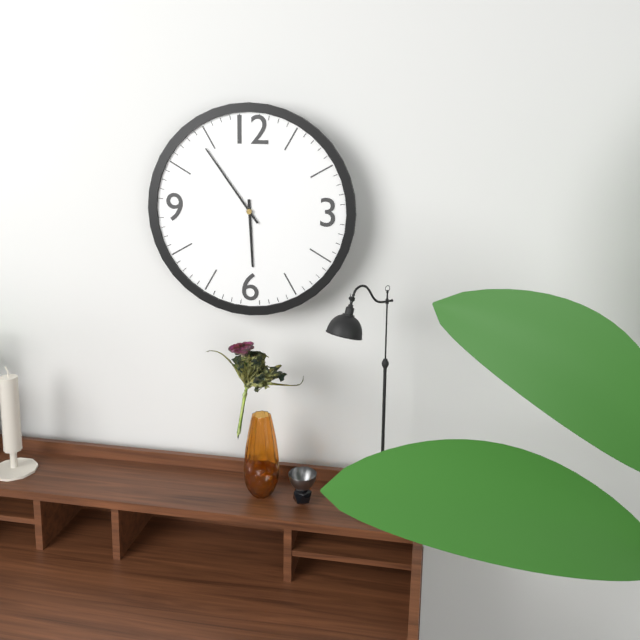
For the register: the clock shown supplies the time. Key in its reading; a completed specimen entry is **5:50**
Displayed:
**5:54**
